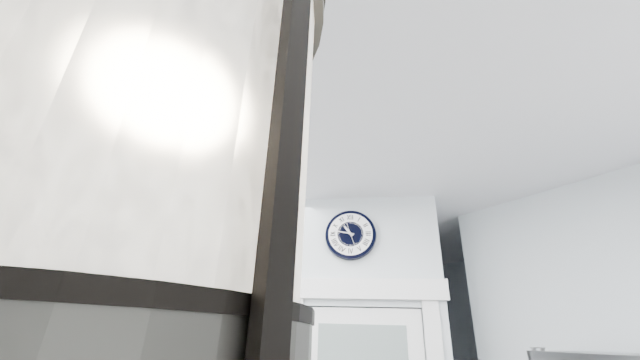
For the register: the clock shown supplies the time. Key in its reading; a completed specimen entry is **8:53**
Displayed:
**10:47**
